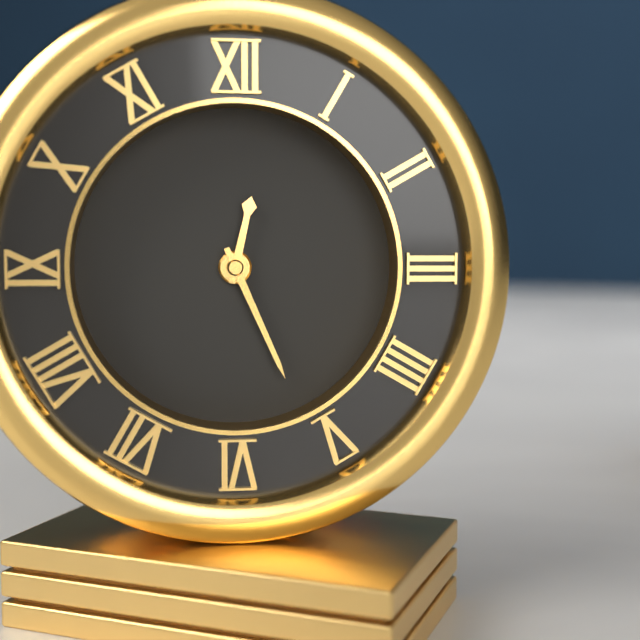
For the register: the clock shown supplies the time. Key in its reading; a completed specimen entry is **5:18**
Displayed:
**12:26**
